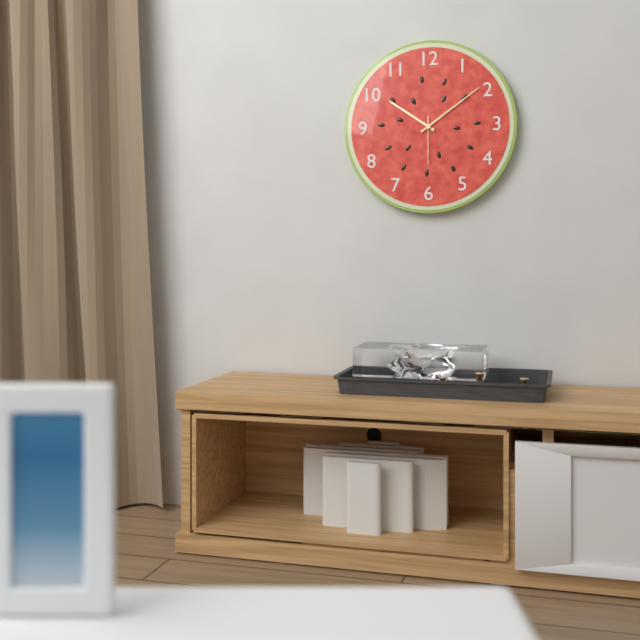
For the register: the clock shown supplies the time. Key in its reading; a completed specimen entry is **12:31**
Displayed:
**10:09**
